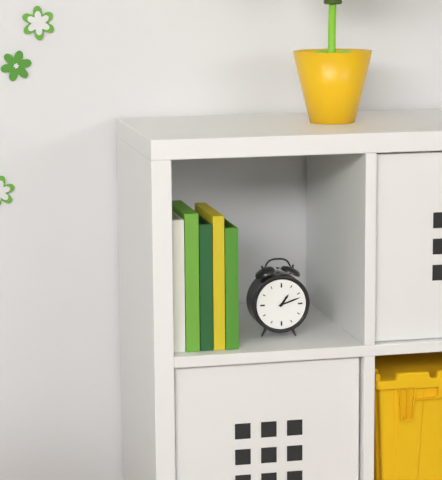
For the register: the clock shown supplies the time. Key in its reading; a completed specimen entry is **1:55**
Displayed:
**1:12**
